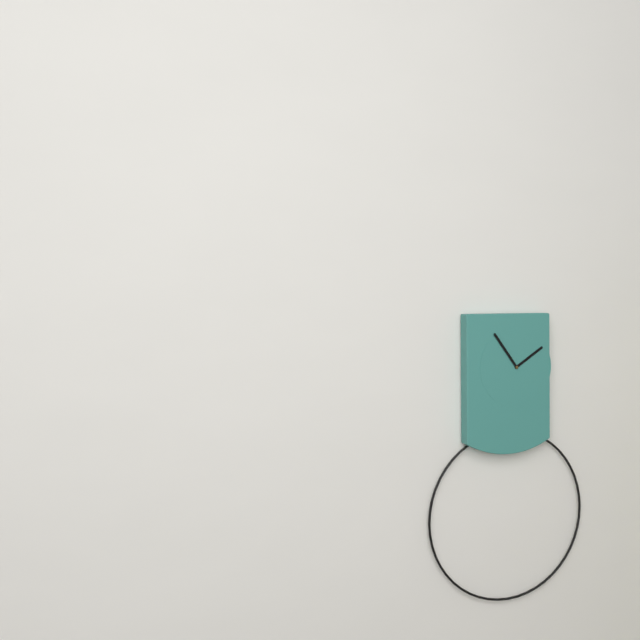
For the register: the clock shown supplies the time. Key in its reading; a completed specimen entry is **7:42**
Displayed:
**1:54**
